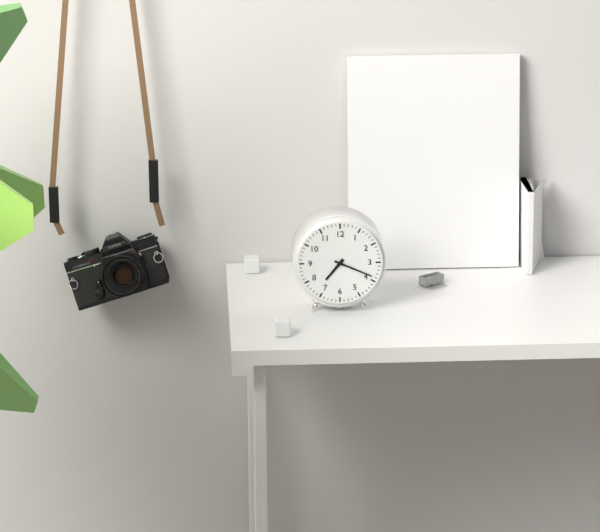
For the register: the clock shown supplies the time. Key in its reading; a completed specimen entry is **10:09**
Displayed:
**7:19**
